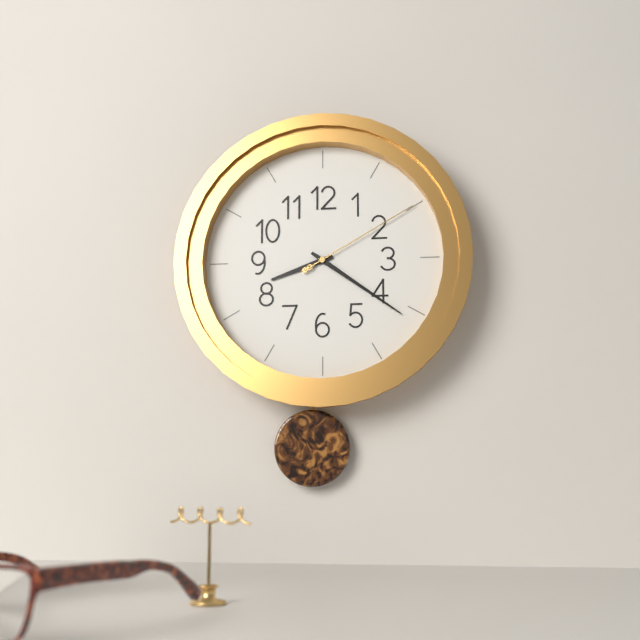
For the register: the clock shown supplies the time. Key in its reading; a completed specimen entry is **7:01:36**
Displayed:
**8:21:10**
